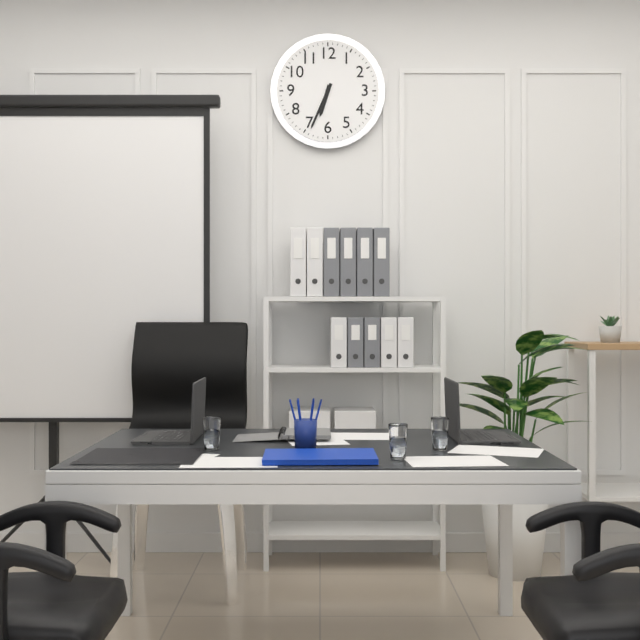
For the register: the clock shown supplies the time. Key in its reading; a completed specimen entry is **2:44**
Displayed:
**6:34**
